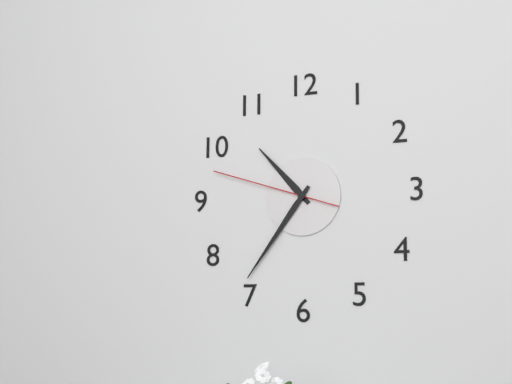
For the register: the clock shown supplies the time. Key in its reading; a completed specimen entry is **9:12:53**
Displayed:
**10:36:48**
